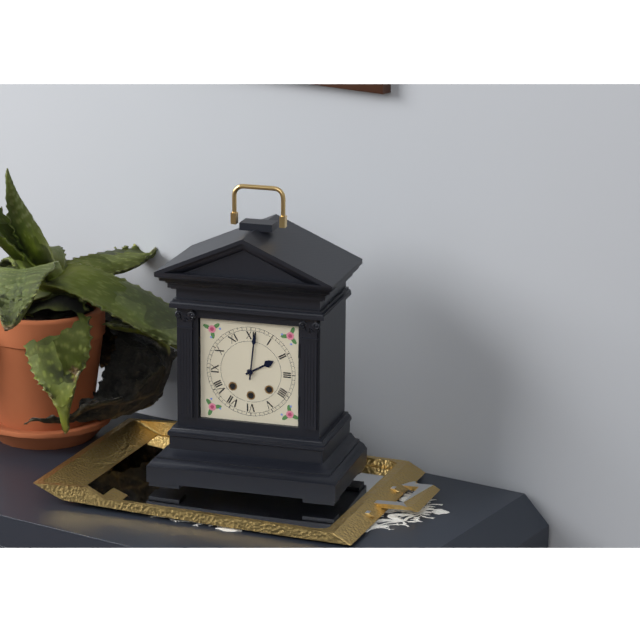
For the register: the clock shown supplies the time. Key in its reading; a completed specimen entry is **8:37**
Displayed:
**2:01**
